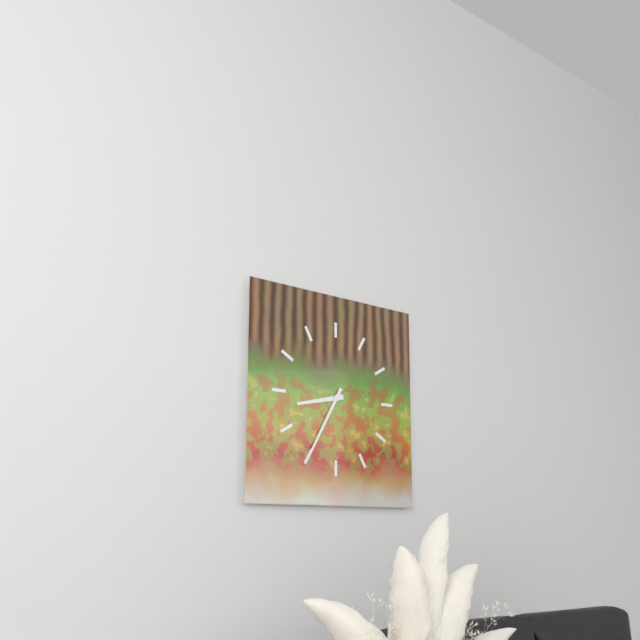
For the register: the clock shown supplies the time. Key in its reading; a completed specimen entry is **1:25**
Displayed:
**8:35**
